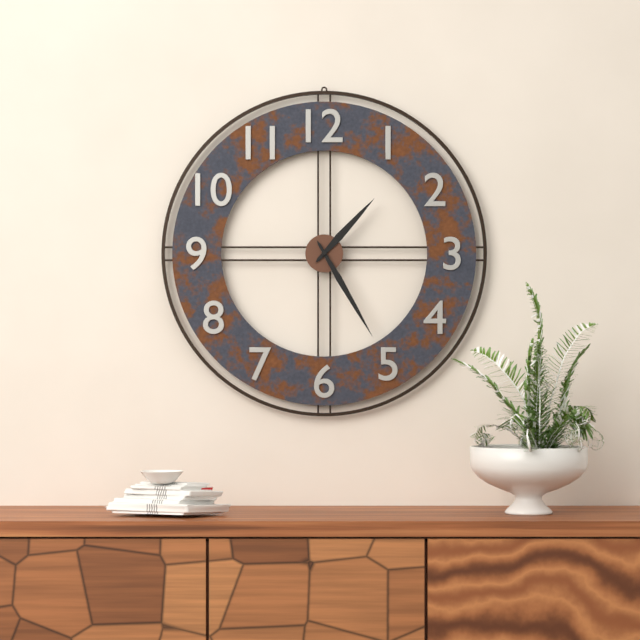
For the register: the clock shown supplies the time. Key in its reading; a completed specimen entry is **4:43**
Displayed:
**1:25**
